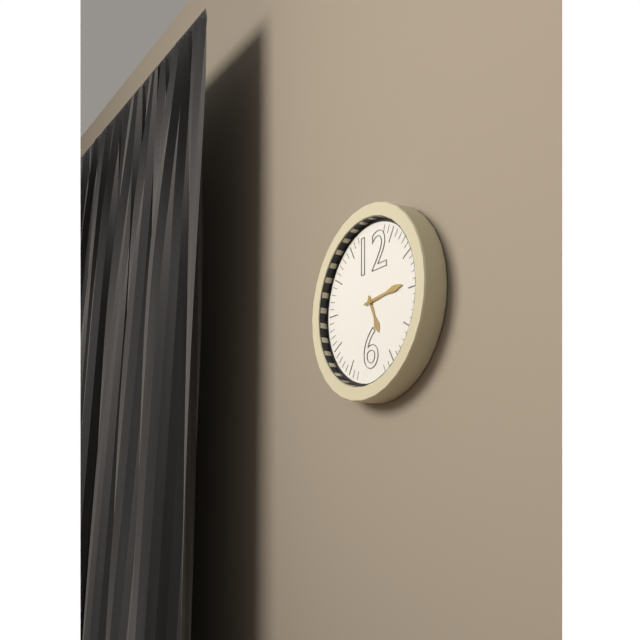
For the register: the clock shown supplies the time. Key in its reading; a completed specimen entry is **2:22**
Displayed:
**5:14**
